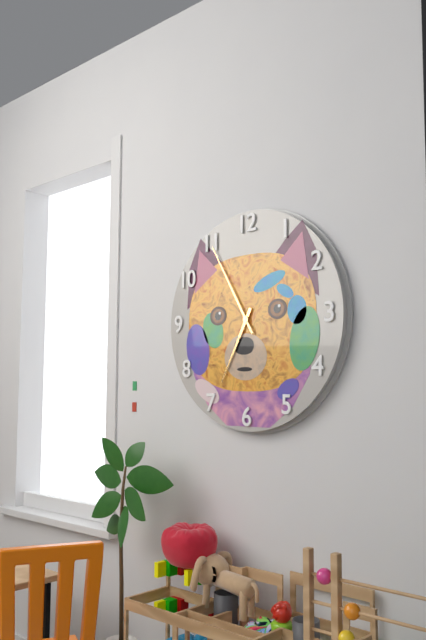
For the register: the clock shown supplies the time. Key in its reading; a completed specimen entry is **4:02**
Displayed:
**6:55**
